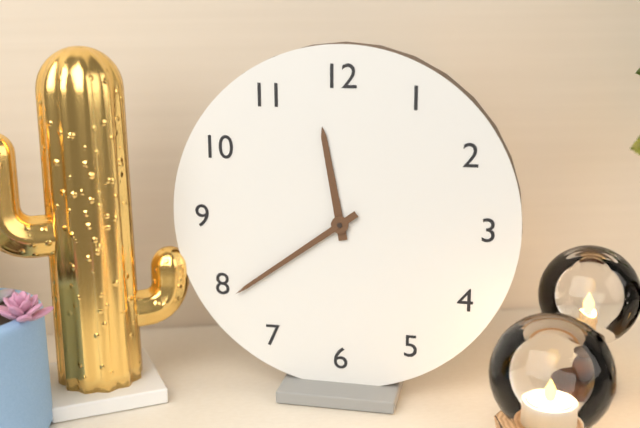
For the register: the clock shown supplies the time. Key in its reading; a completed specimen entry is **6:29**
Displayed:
**11:39**
